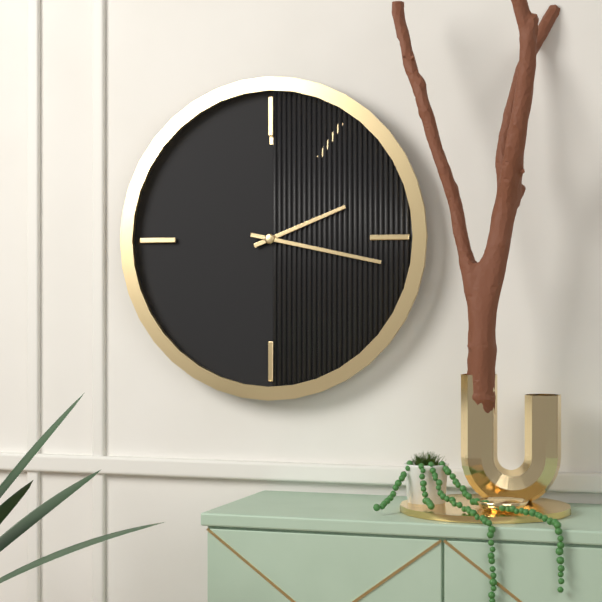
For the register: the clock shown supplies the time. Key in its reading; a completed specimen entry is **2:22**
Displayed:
**2:17**
